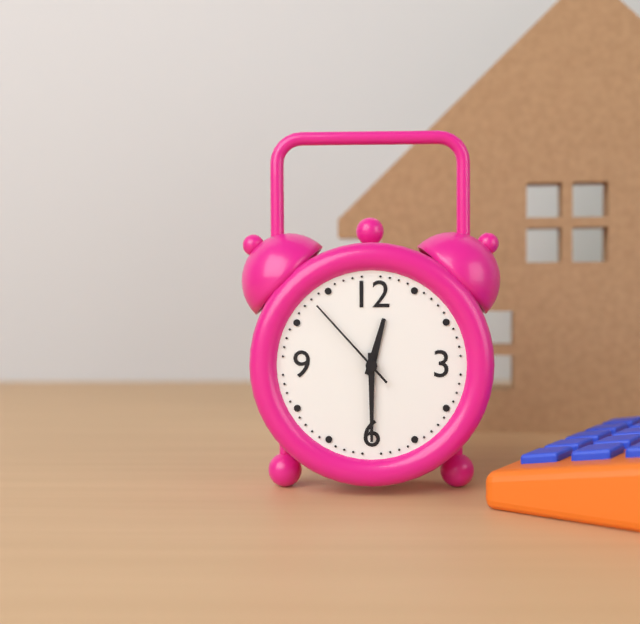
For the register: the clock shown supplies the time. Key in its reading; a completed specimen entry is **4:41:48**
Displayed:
**12:30:53**
